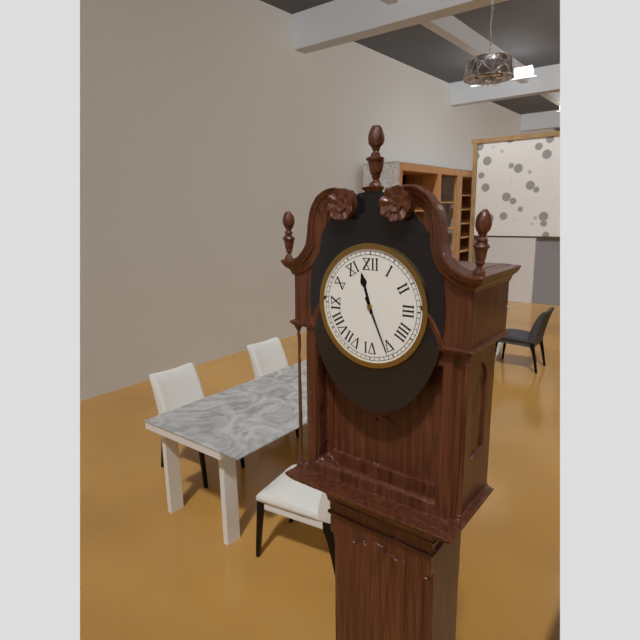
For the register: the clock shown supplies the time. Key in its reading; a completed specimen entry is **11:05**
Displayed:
**11:26**
